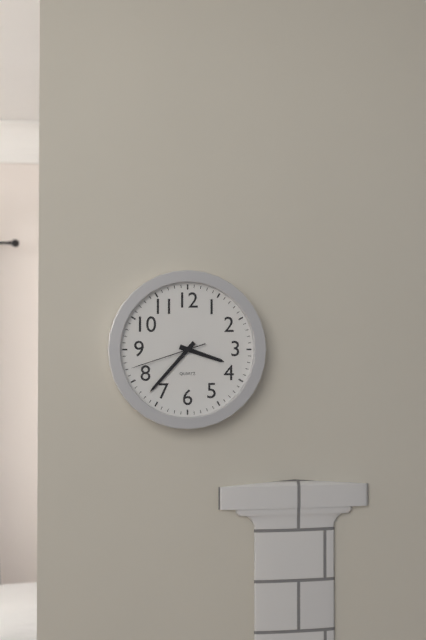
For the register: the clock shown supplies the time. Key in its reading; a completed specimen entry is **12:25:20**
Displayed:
**3:37:42**
